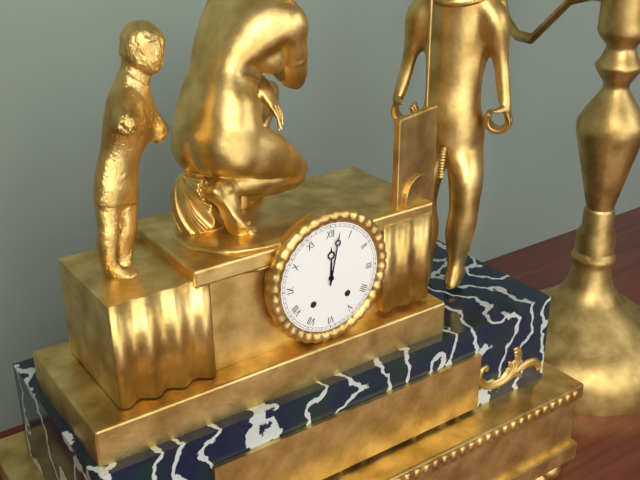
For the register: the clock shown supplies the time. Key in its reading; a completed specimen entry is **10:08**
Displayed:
**12:02**
